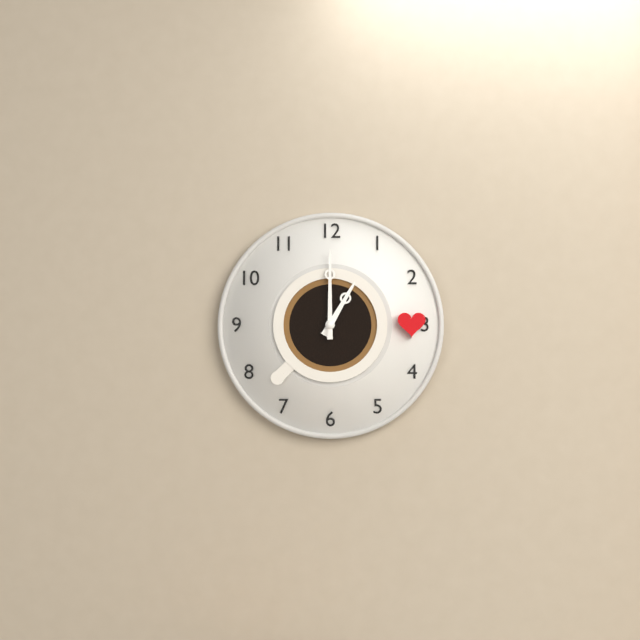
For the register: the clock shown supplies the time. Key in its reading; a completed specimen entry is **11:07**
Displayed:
**1:00**
